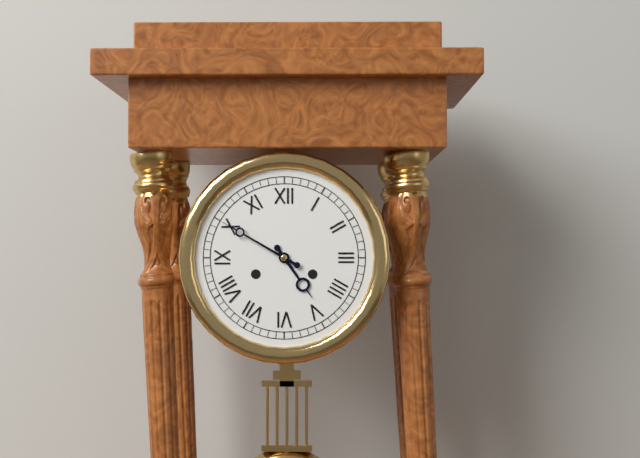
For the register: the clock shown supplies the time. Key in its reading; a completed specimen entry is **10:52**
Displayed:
**4:50**
